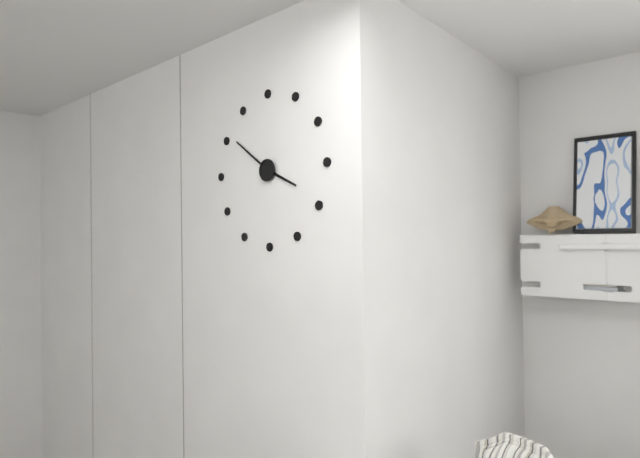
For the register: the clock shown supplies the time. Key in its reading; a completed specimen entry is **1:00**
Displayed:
**3:51**
